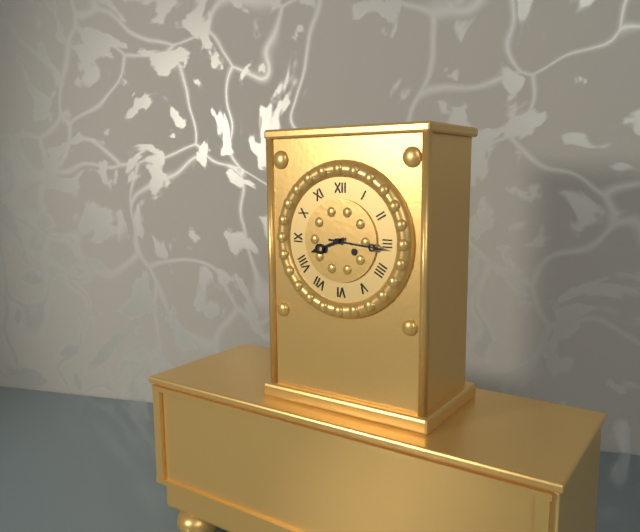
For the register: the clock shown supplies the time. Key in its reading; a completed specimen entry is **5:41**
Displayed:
**8:16**
